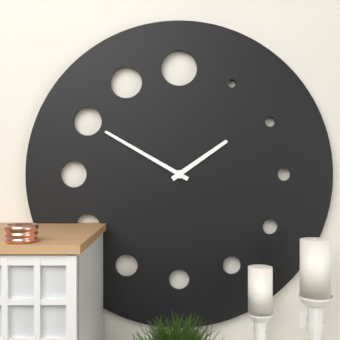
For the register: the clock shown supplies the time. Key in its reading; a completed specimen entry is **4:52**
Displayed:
**1:50**
